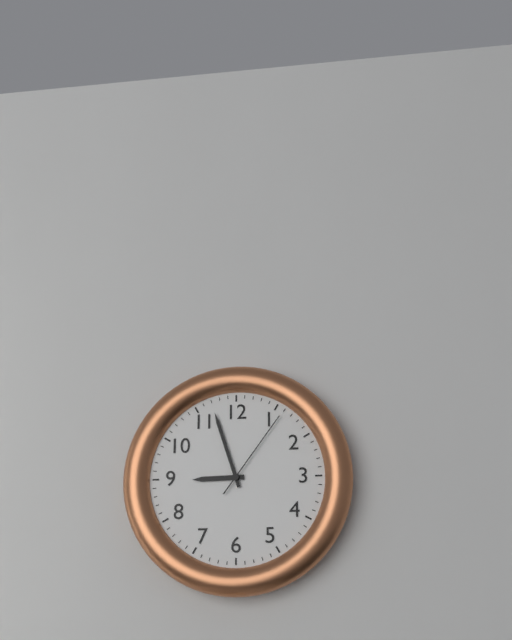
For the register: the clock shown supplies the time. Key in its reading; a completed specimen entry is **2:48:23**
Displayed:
**8:57:06**
